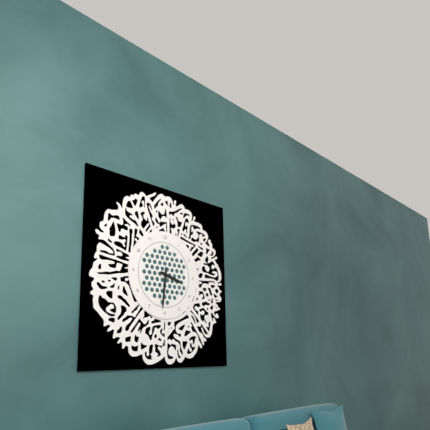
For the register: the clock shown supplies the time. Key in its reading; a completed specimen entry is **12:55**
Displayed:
**3:31**
